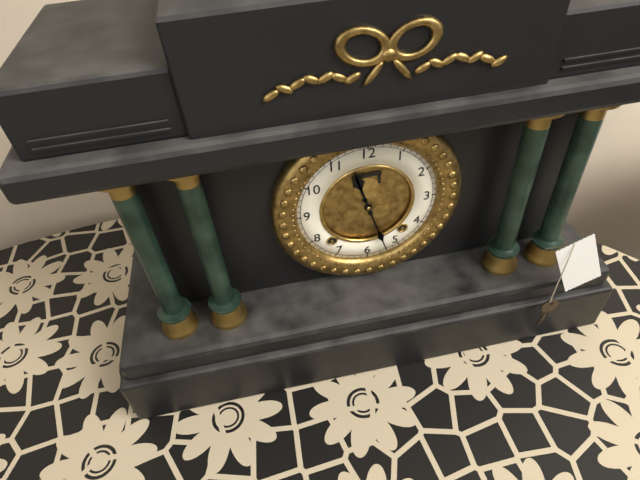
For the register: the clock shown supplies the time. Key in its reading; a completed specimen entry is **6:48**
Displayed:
**11:27**
